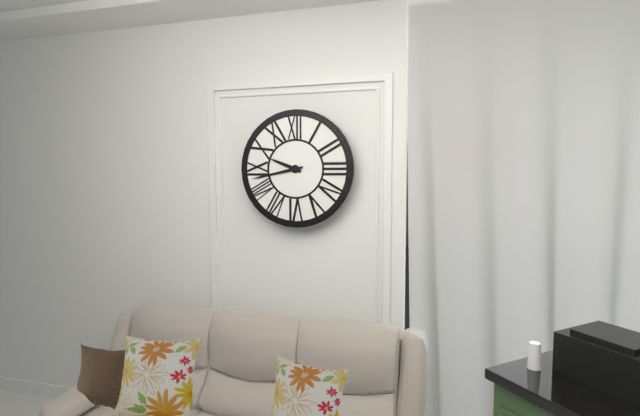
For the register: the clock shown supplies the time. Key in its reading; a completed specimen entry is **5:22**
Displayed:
**9:43**
